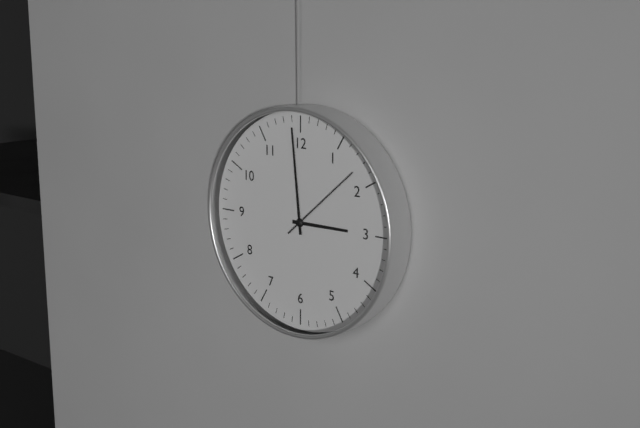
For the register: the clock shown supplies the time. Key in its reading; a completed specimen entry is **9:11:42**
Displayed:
**2:59:08**
